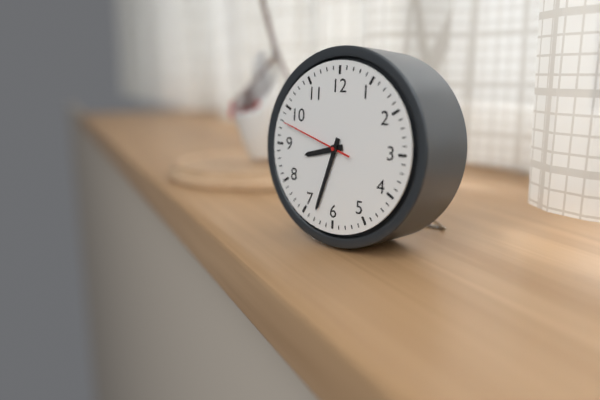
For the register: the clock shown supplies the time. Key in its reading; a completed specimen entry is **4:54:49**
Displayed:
**8:33:48**
